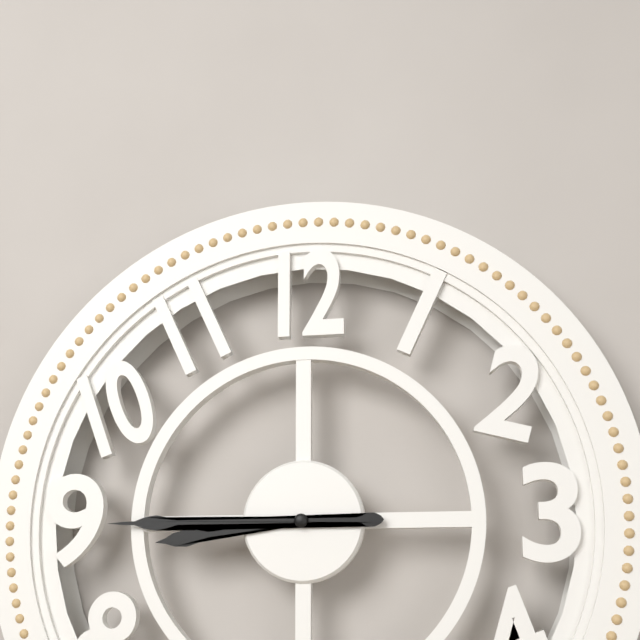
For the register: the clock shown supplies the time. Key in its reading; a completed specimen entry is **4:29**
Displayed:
**8:45**
